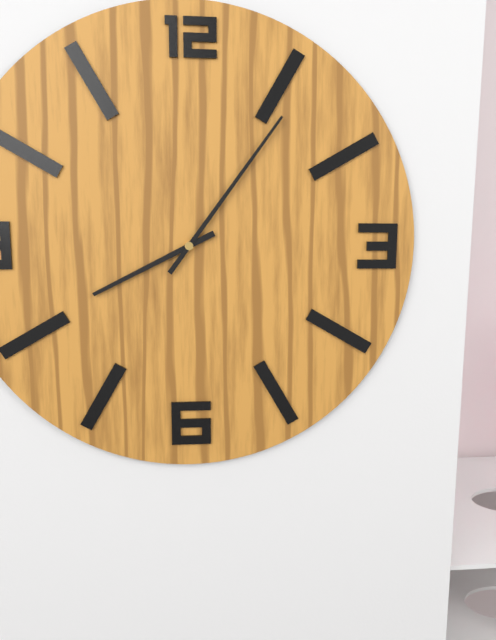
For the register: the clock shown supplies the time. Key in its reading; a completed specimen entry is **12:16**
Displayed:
**8:06**
